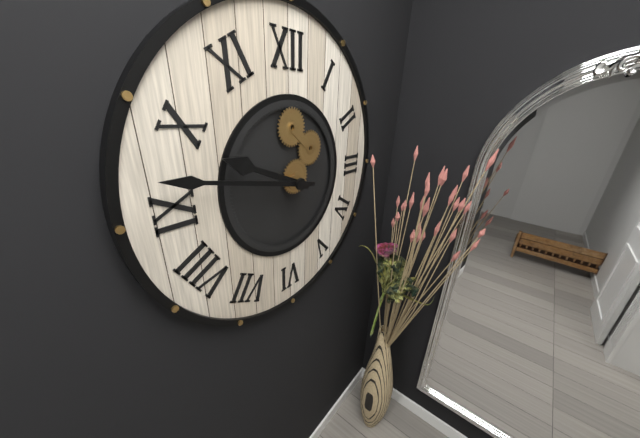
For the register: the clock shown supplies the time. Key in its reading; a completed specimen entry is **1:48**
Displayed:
**9:47**
